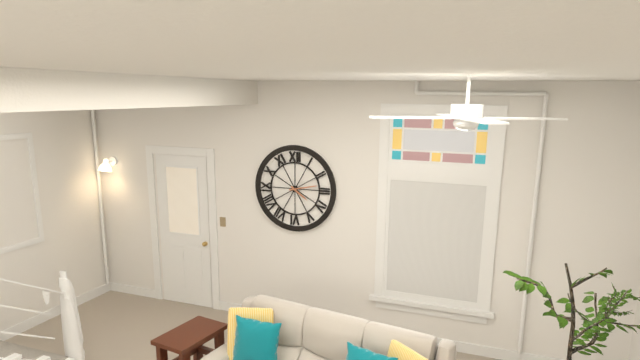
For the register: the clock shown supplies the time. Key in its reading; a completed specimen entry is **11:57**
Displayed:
**4:13**
